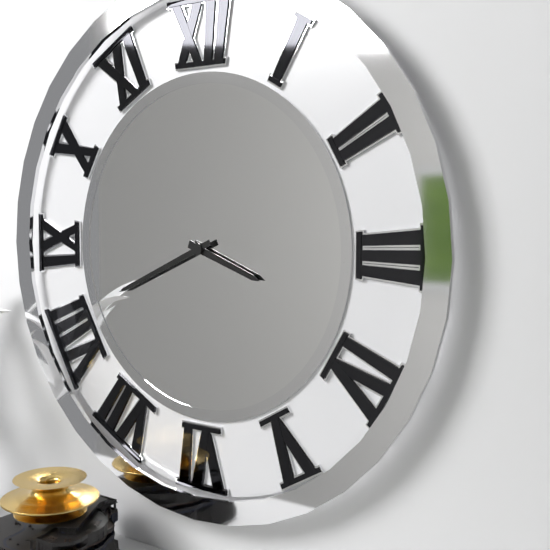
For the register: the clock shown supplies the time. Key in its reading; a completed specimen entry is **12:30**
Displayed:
**3:41**
